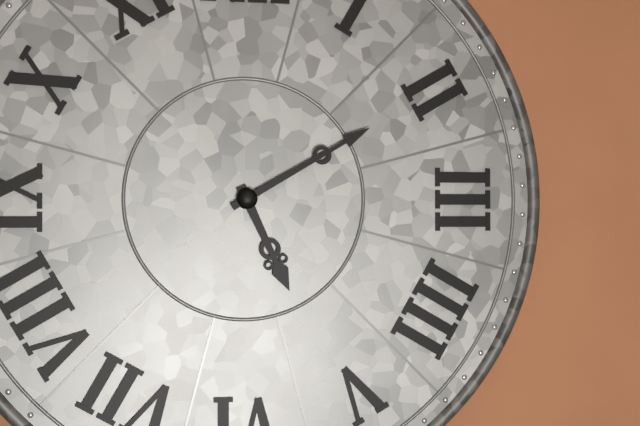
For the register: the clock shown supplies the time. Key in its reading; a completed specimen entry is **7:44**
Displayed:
**5:10**
